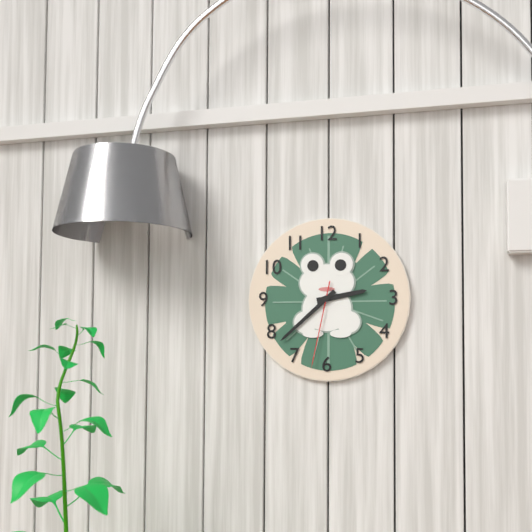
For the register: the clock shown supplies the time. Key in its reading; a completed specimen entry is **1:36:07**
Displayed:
**2:38:32**
